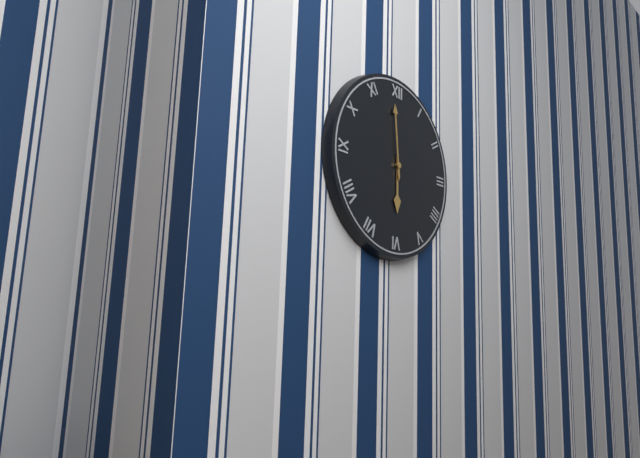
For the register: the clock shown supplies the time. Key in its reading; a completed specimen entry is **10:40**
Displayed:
**5:59**
